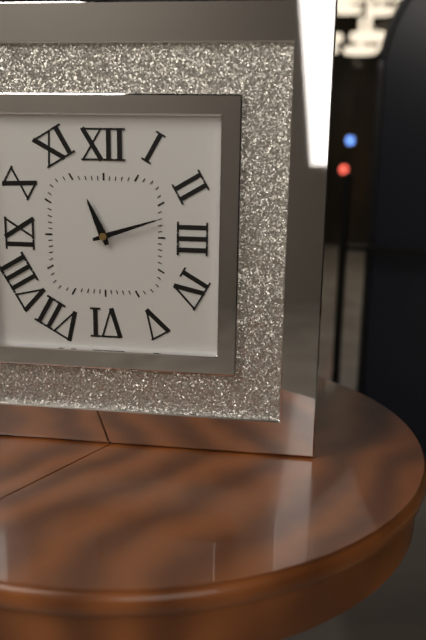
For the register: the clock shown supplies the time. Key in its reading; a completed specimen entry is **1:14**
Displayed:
**11:12**
